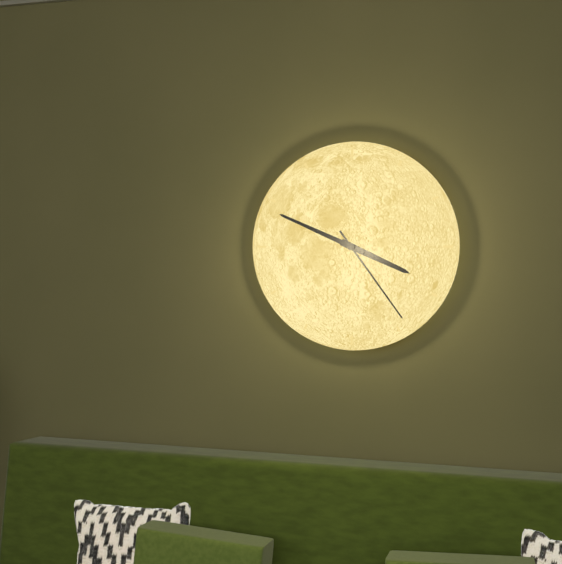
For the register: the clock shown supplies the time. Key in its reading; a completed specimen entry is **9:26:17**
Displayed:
**3:49:24**
